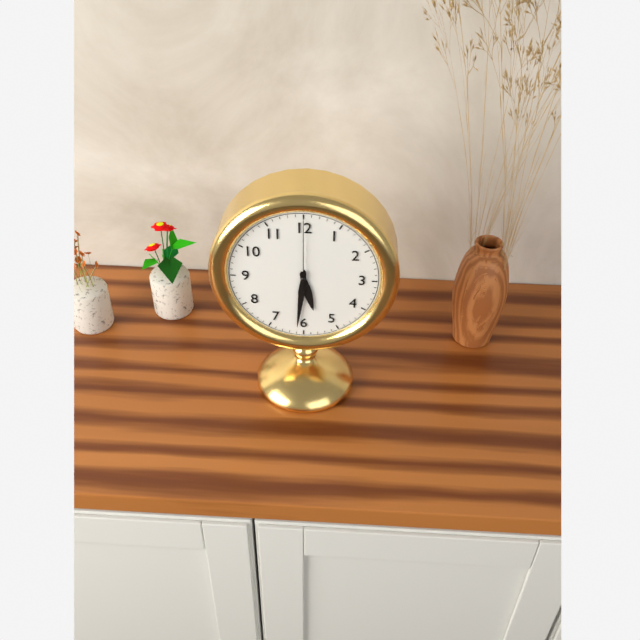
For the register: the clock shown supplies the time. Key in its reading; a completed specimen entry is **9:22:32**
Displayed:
**5:31:00**
